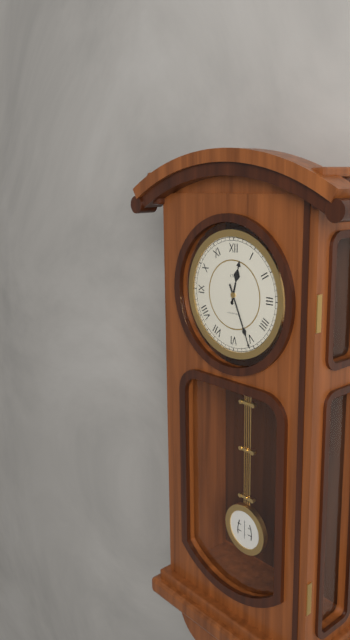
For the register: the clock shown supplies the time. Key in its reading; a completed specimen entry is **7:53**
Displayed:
**12:26**
